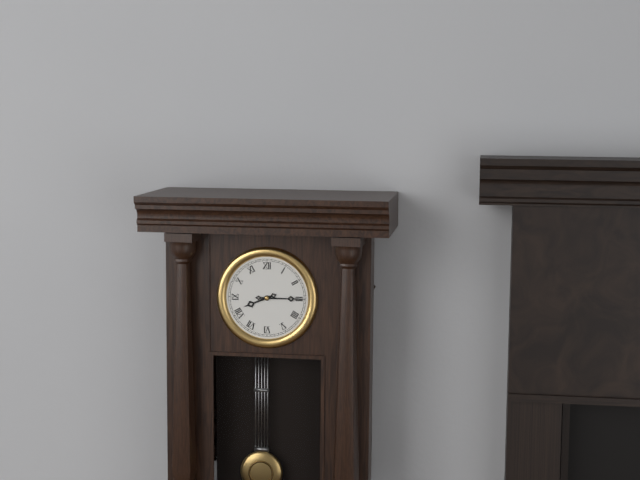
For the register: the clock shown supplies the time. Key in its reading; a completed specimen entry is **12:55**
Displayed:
**8:15**
